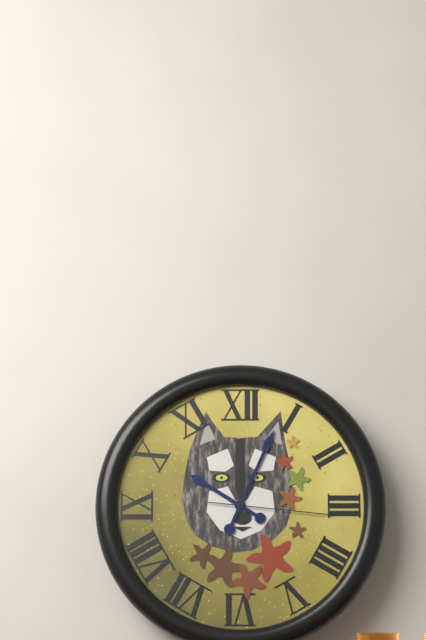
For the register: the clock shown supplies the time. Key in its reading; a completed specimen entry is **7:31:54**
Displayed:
**10:04:16**
